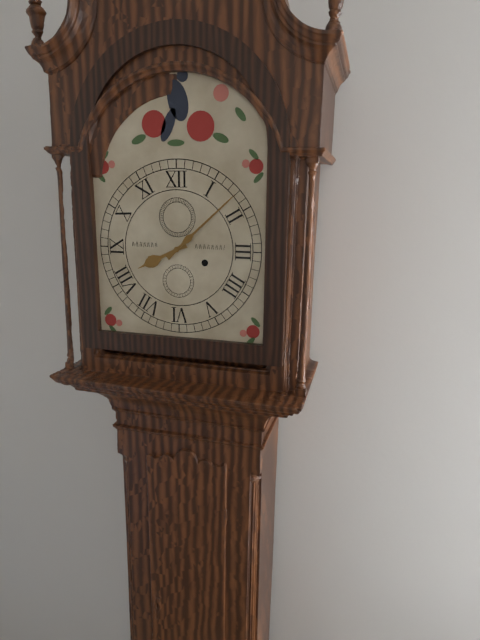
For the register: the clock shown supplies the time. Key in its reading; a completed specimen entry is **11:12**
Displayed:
**8:08**
